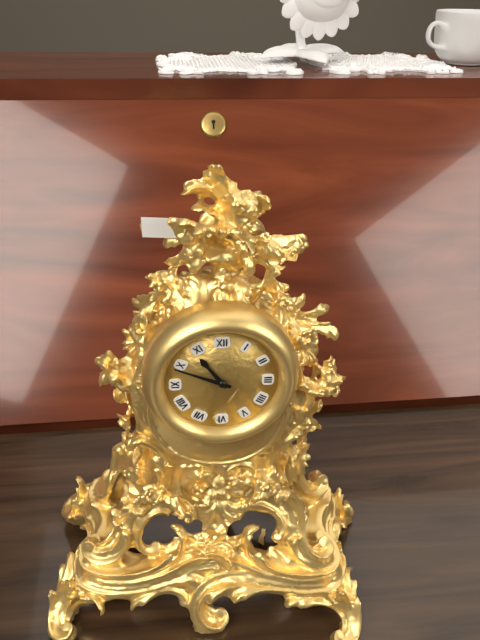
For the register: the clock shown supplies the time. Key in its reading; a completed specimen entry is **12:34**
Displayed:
**10:49**
